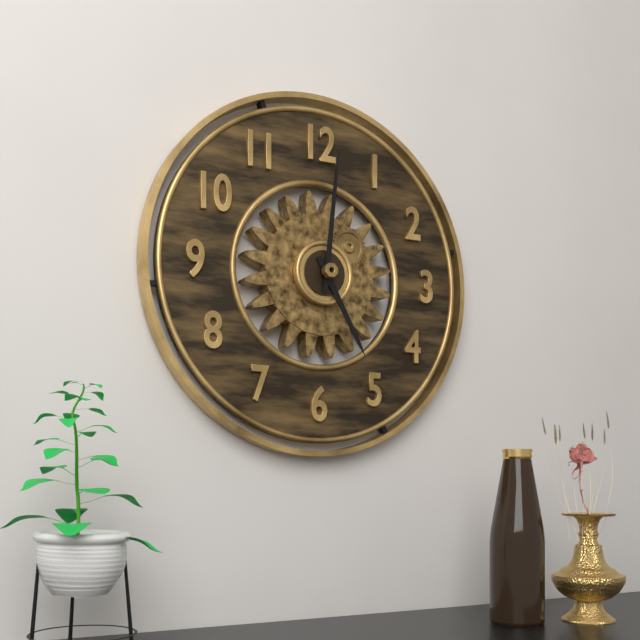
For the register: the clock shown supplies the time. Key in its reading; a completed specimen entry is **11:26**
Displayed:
**5:01**
